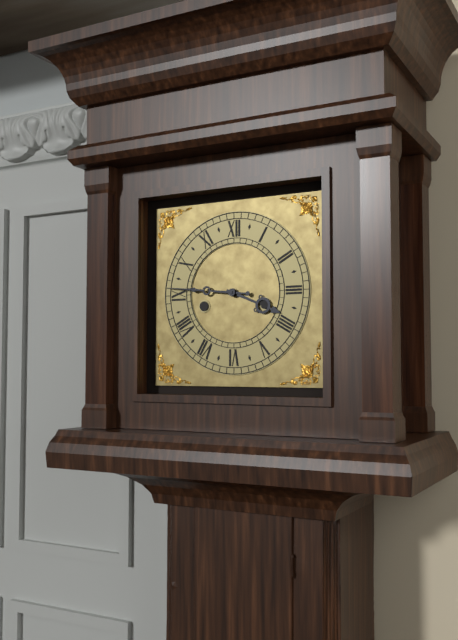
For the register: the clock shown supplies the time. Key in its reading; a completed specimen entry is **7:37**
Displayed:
**3:46**
